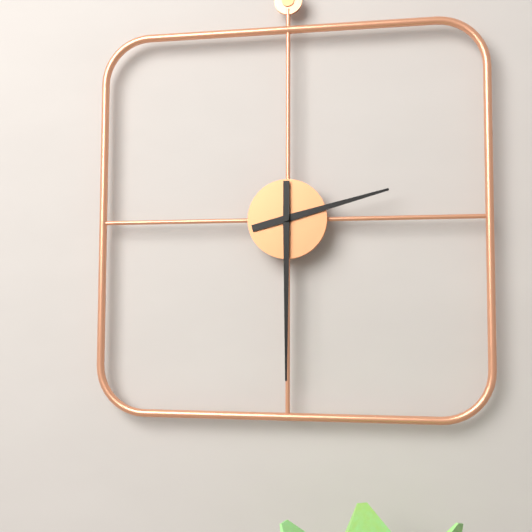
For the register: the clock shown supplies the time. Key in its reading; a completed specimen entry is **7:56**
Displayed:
**2:30**
